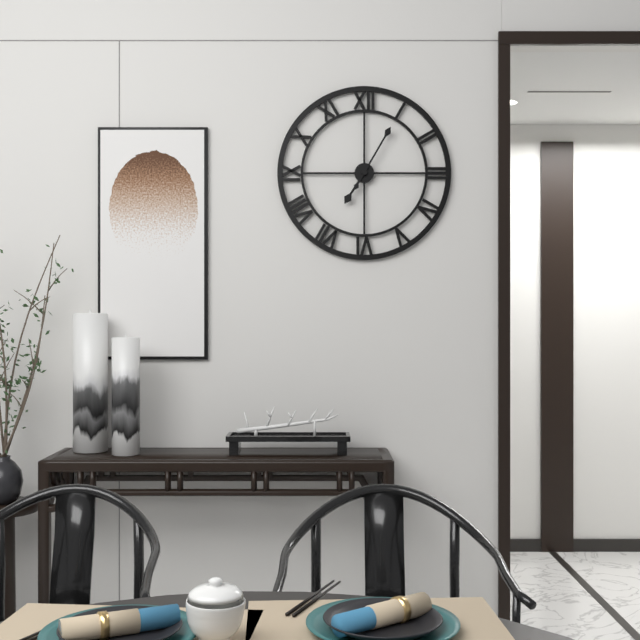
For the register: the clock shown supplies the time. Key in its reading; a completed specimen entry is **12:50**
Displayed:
**7:05**
